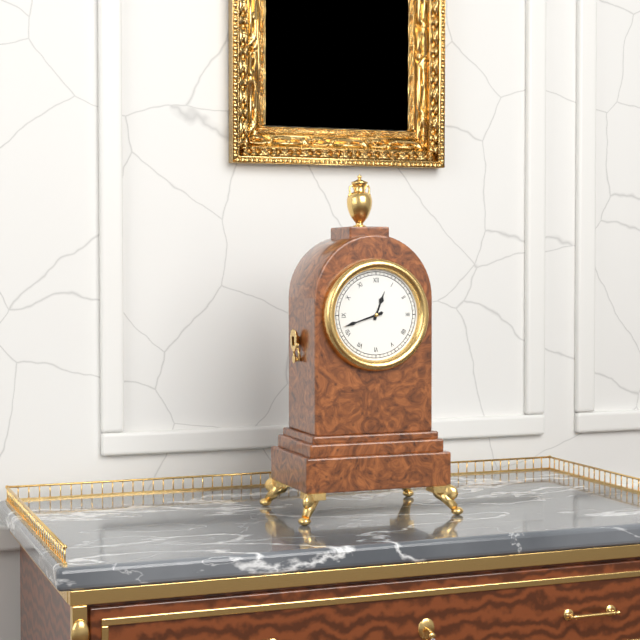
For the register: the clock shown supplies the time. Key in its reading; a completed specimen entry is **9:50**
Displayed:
**12:42**
